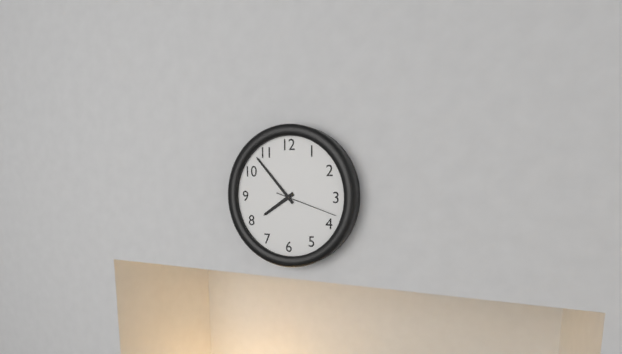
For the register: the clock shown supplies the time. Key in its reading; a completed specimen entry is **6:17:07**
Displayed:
**7:53:18**
